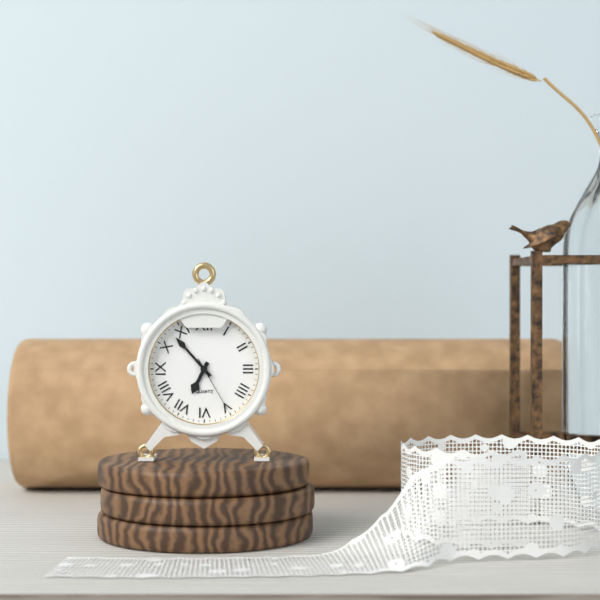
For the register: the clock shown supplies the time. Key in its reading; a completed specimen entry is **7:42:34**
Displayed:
**6:53:25**
